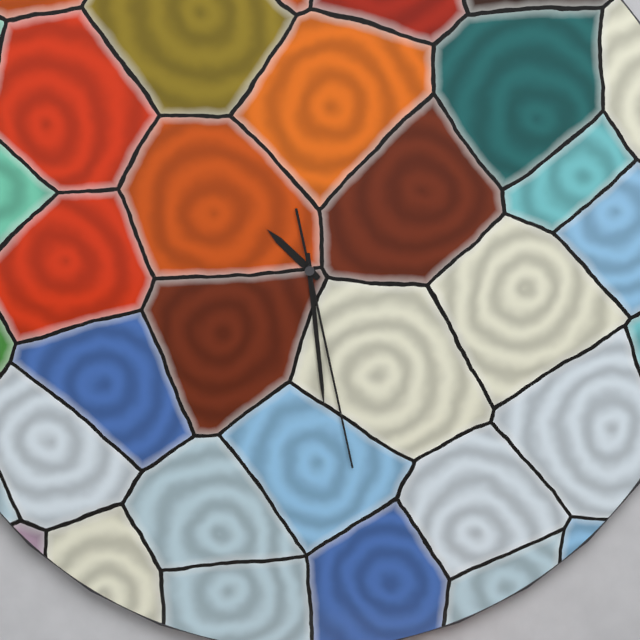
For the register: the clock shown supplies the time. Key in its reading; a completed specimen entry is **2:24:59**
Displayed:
**10:29:28**
